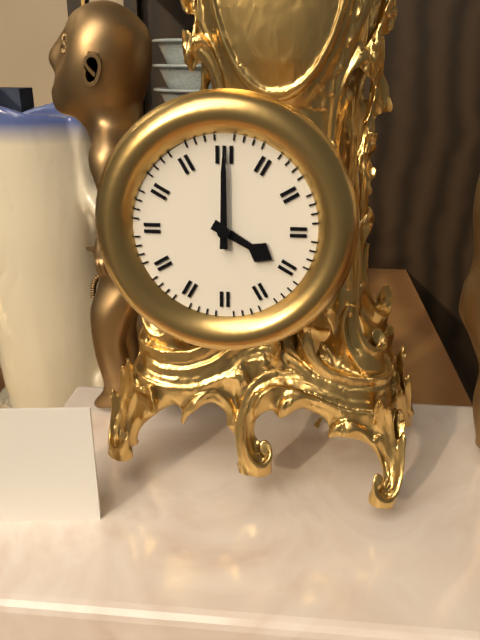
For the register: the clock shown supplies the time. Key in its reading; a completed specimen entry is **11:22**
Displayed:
**4:00**
